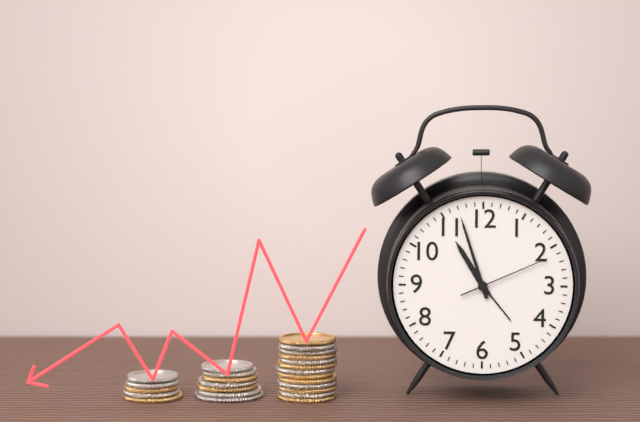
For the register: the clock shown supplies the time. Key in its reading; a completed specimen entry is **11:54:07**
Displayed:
**10:57:11**
